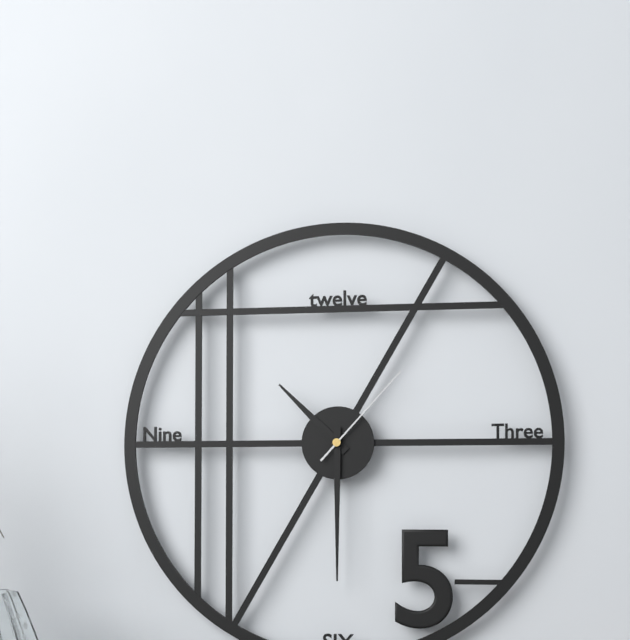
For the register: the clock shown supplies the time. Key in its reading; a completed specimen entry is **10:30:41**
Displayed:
**10:30:07**
